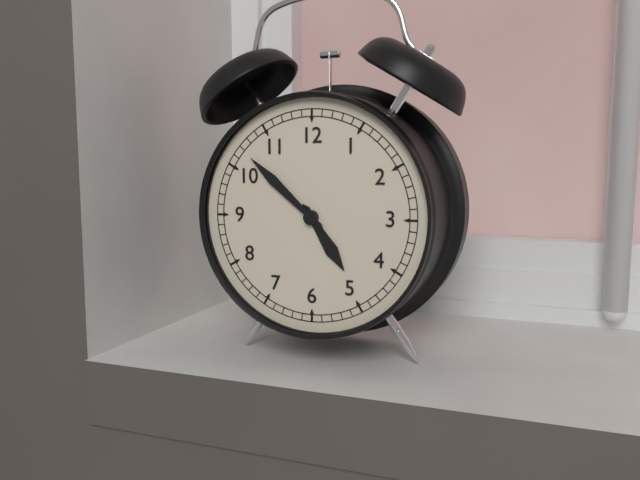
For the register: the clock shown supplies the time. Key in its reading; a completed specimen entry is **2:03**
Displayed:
**4:52**
